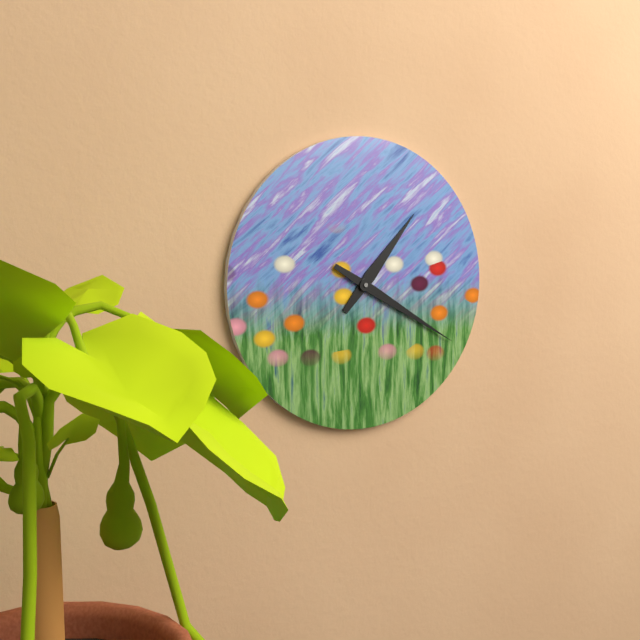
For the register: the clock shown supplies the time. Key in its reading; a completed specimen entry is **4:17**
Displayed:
**1:20**
